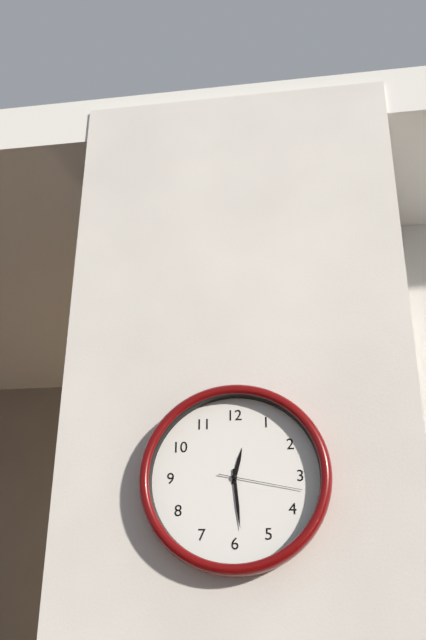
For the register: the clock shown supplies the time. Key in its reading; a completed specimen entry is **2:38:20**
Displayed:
**12:29:17**
